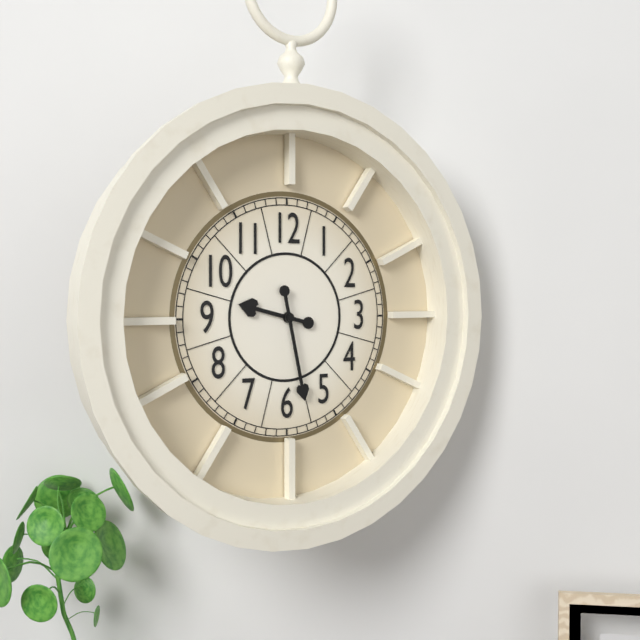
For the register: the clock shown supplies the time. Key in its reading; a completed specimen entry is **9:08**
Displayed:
**9:28**
